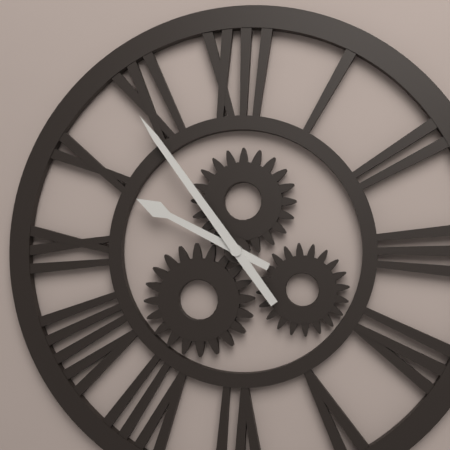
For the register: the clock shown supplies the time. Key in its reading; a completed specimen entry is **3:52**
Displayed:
**9:54**
